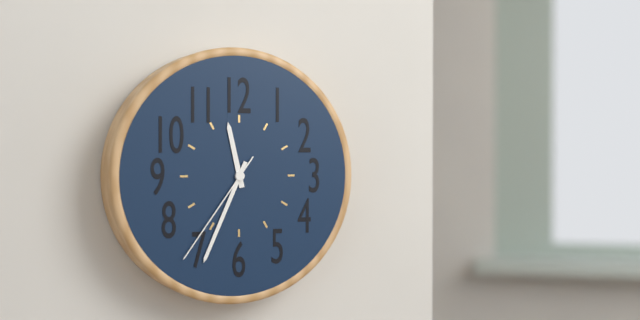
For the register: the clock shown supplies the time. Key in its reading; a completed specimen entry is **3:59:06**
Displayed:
**11:34:36**
